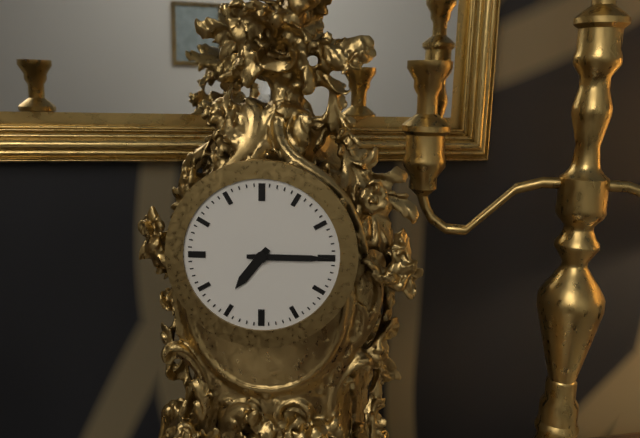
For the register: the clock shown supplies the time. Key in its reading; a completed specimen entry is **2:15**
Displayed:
**7:15**
